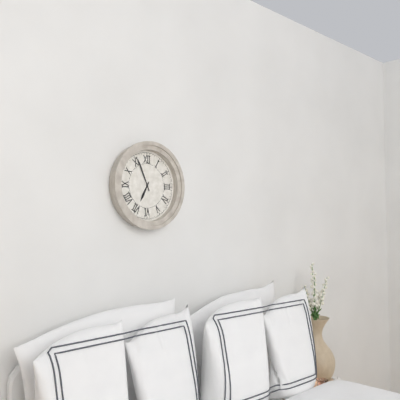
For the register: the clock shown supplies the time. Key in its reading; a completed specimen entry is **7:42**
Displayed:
**6:56**
